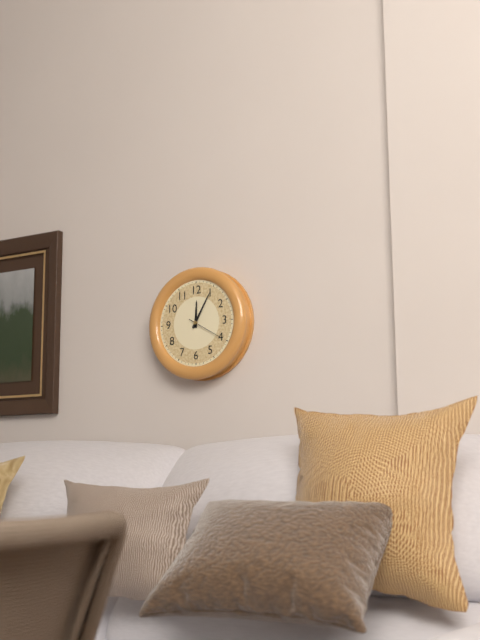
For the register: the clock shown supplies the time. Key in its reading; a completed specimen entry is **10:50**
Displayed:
**12:05**
